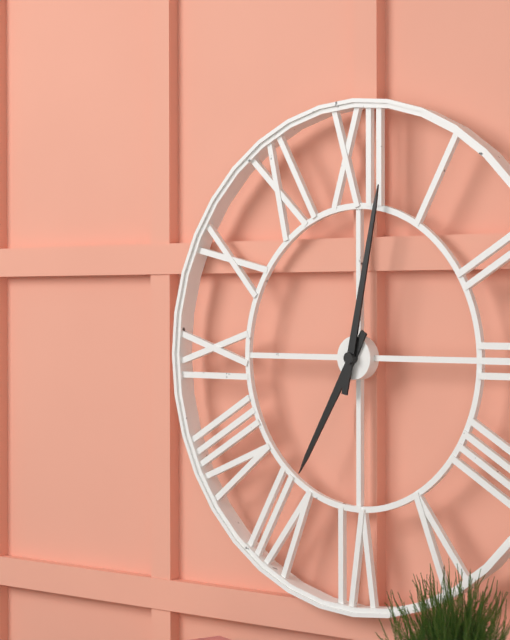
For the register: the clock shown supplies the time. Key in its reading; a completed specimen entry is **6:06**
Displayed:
**7:02**
